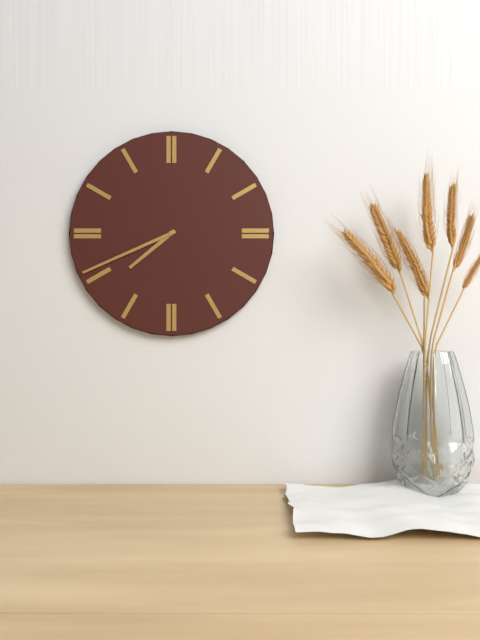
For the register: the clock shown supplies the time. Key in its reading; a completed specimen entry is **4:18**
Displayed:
**7:41**
